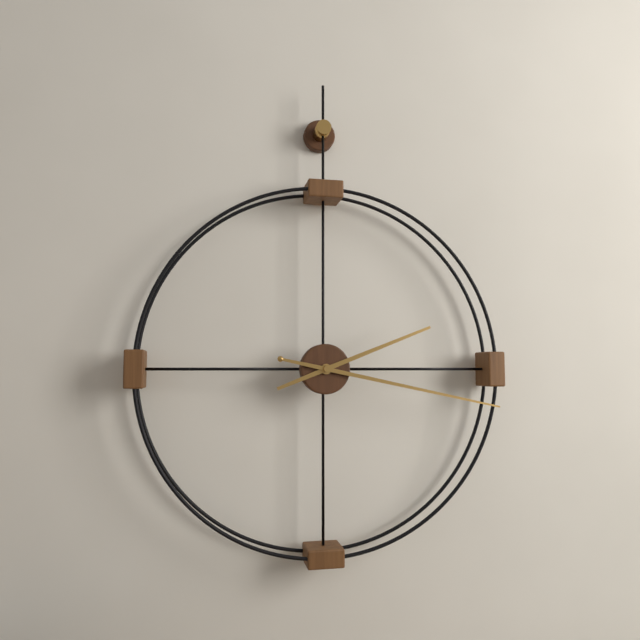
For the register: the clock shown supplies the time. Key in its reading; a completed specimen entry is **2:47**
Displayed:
**2:17**
